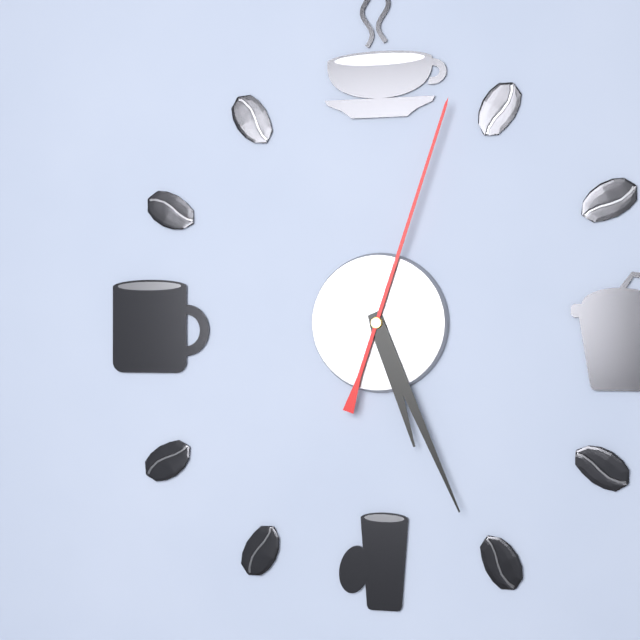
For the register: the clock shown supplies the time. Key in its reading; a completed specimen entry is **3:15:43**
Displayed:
**5:26:03**
